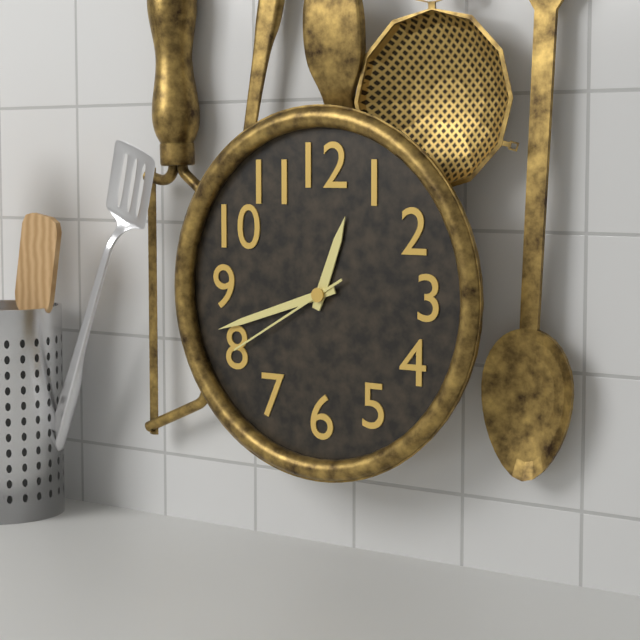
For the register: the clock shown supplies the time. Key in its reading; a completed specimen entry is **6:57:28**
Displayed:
**12:42:40**
